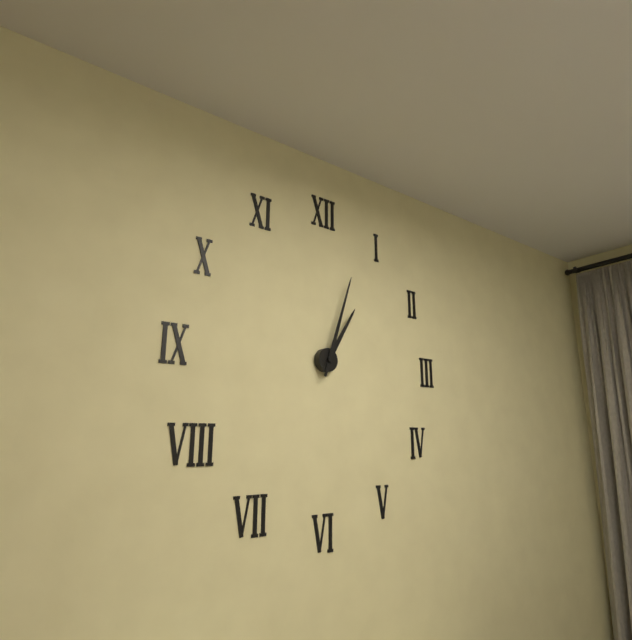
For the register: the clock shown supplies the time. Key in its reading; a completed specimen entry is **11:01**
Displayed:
**1:03**
